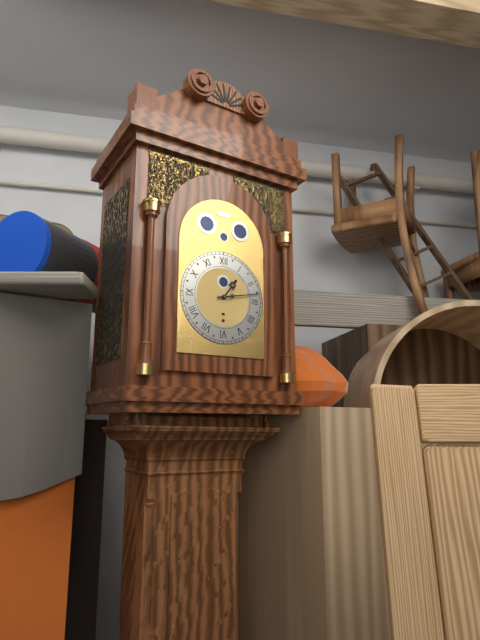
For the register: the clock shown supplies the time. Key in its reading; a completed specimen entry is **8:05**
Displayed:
**1:13**
